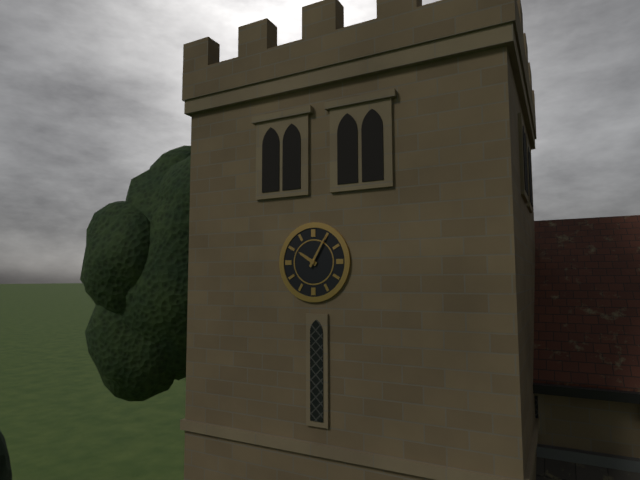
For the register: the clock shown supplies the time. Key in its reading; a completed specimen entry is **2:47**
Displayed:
**10:05**
